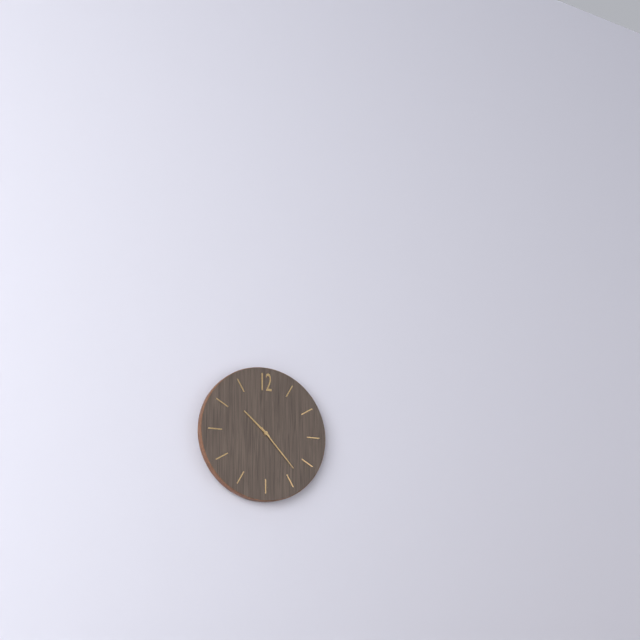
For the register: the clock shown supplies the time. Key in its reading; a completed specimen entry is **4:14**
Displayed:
**10:23**
